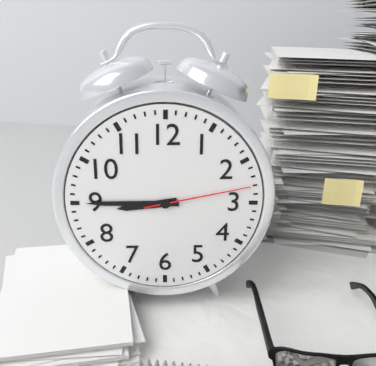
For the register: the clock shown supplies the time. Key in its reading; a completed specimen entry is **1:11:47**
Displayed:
**8:45:13**
